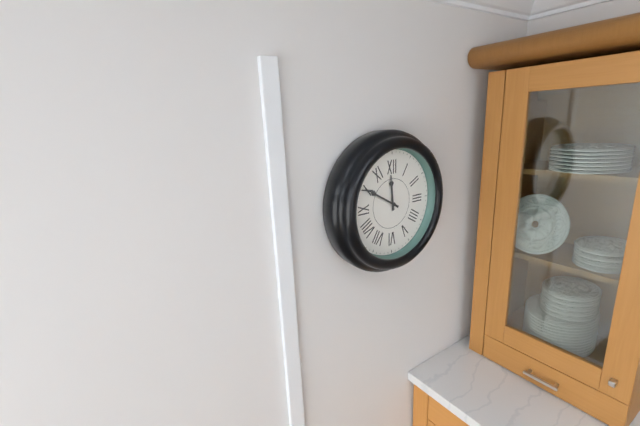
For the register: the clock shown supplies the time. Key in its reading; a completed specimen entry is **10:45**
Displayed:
**11:50**
